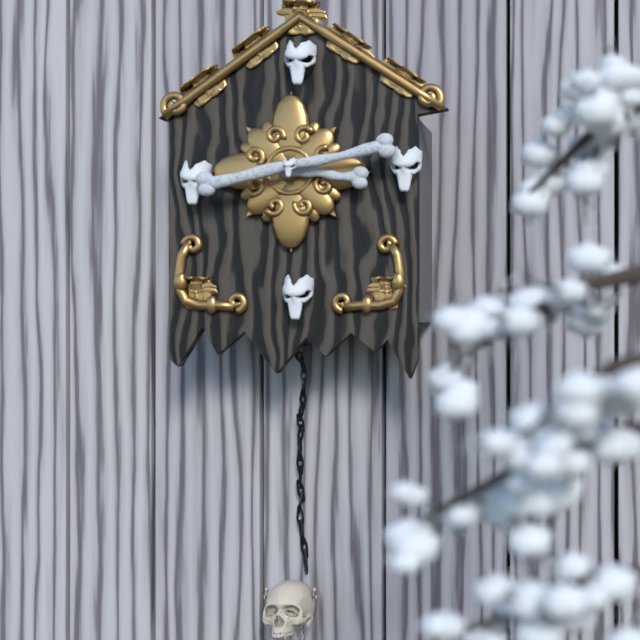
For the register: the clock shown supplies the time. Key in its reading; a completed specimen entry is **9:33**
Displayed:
**3:13**
